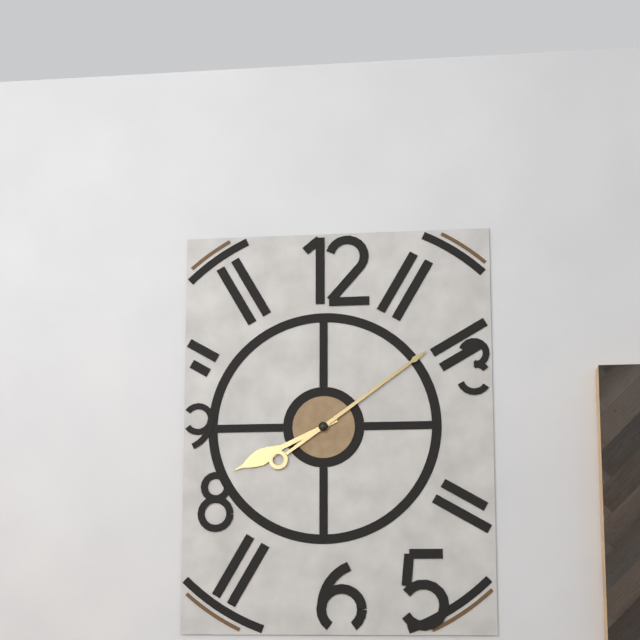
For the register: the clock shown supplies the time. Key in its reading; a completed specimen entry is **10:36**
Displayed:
**8:09**
